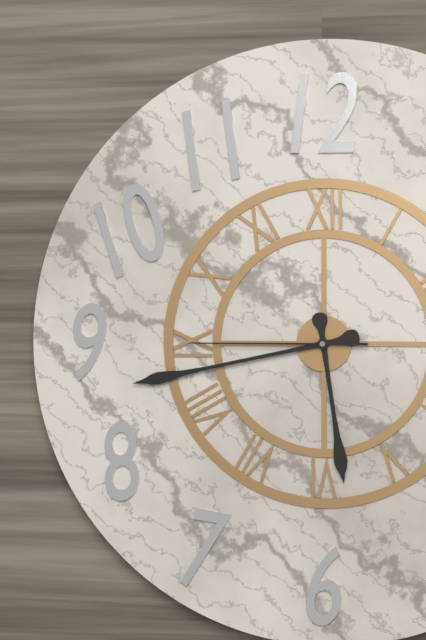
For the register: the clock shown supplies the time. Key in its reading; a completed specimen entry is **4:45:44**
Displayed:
**5:43:45**
